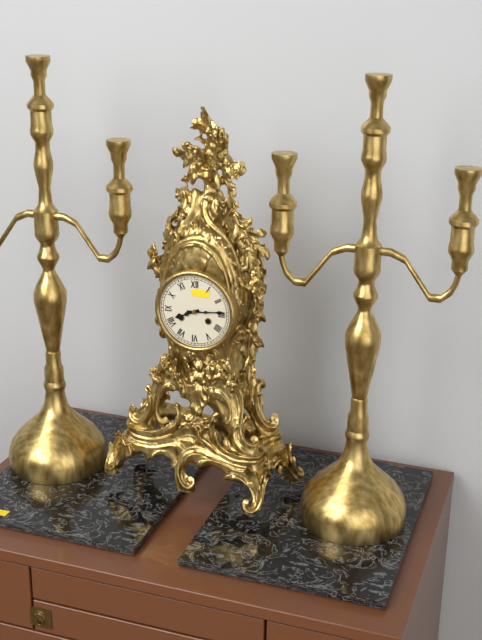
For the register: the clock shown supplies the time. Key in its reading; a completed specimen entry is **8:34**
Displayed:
**8:14**
